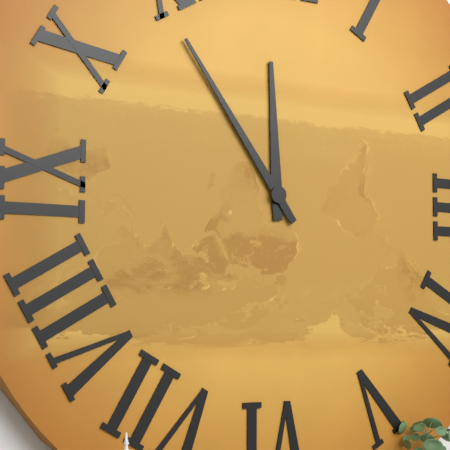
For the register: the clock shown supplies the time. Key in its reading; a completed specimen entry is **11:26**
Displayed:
**11:54**
